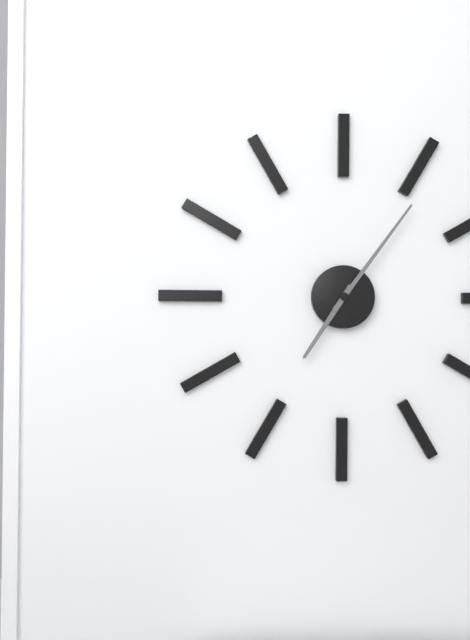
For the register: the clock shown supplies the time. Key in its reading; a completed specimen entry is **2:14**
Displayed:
**7:06**
